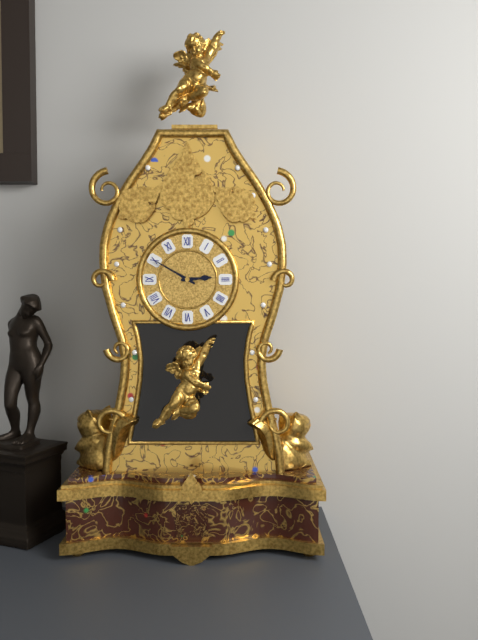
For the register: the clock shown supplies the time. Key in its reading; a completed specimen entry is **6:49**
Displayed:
**2:50**
